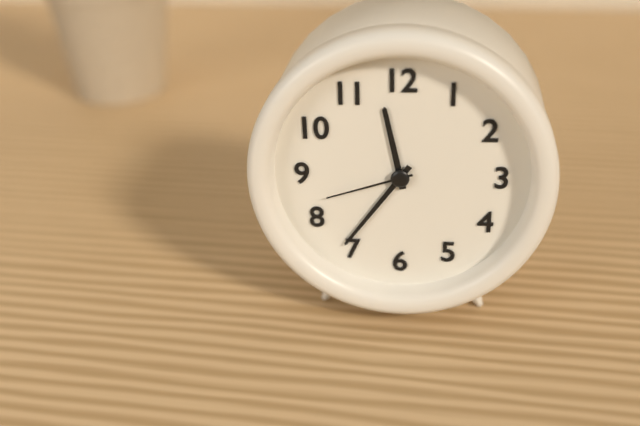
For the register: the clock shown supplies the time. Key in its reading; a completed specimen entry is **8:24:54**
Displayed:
**11:36:42**
